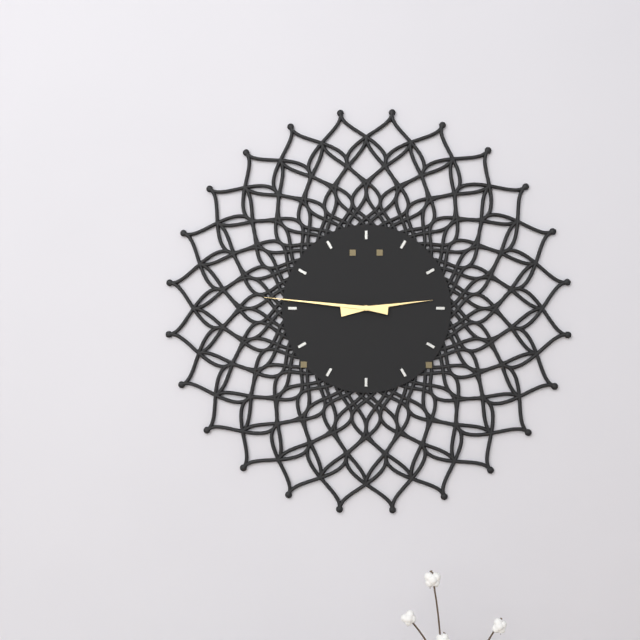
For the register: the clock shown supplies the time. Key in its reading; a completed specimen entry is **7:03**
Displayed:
**2:46**
